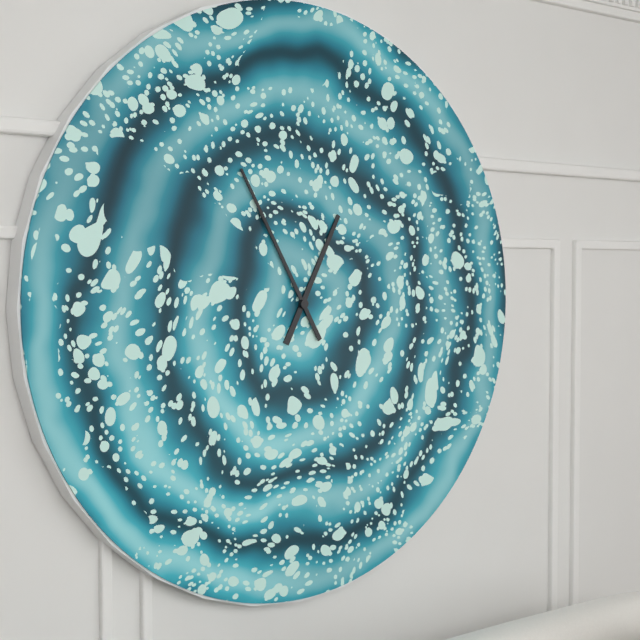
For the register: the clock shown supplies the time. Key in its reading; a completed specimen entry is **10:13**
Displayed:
**12:55**
